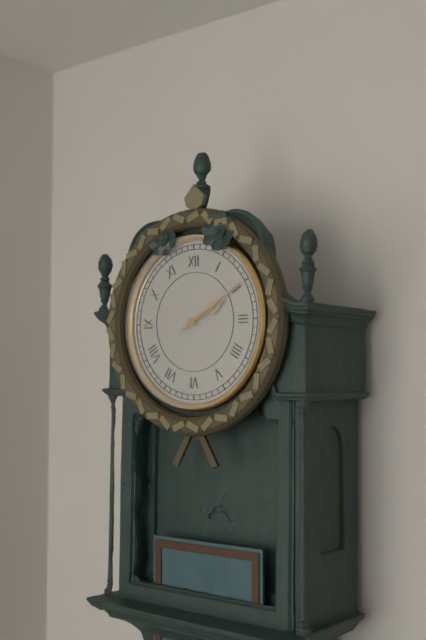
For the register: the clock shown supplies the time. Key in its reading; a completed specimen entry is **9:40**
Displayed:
**2:10**
